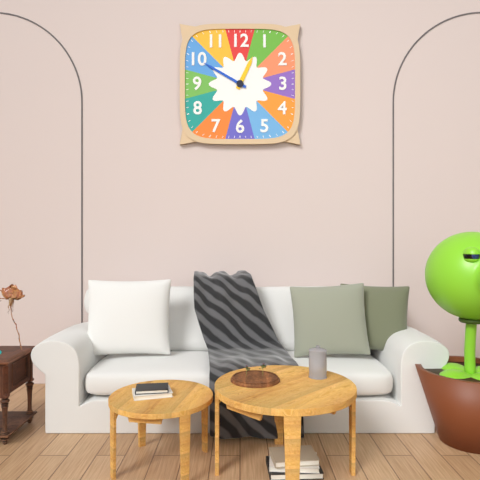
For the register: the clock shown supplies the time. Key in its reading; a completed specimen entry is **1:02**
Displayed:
**12:50**
